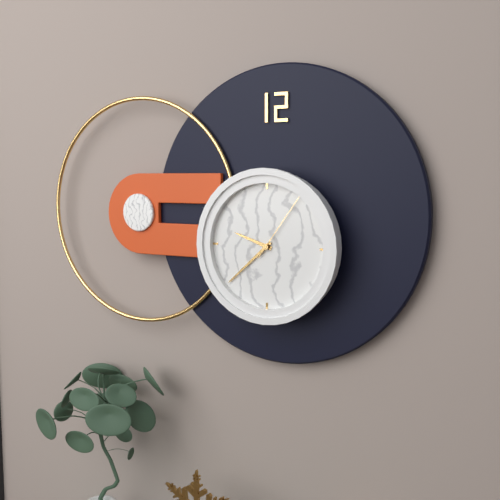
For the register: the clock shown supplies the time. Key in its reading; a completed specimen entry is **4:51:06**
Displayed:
**9:38:06**
